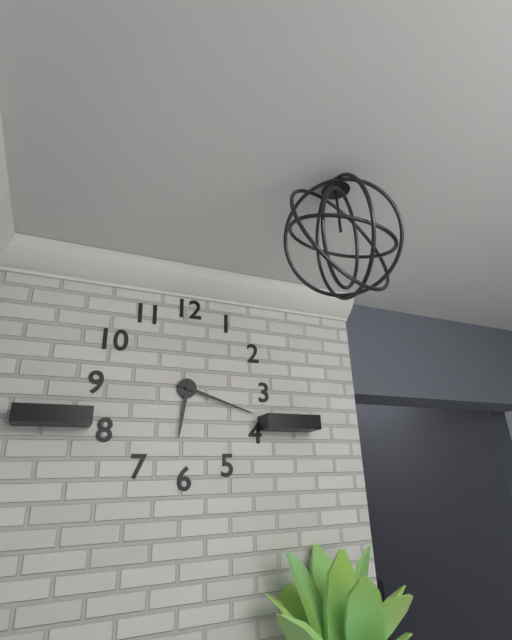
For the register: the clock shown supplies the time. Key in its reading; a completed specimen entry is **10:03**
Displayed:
**6:18**
